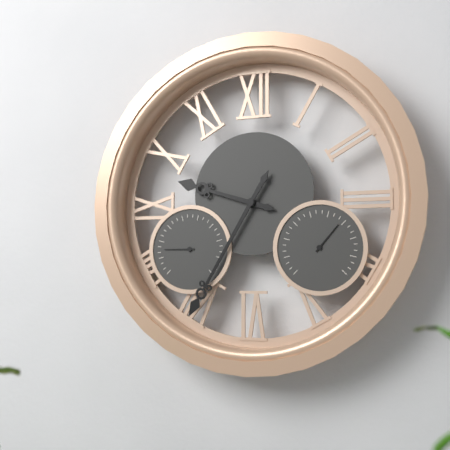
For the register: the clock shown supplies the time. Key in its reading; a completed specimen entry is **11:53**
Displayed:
**9:35**
